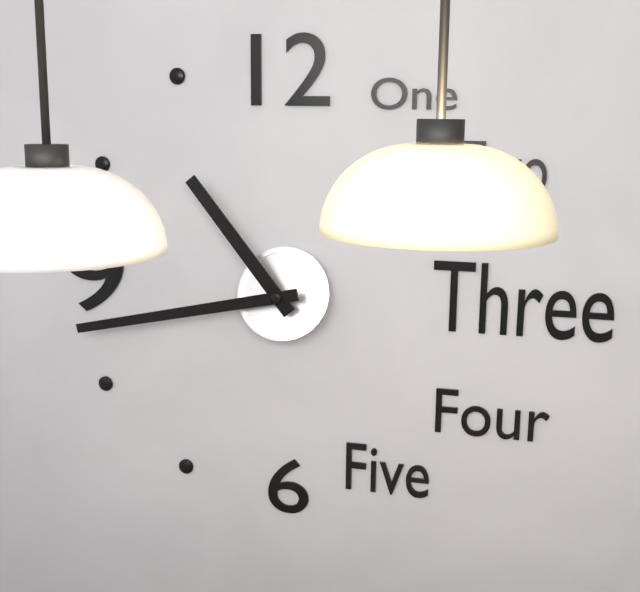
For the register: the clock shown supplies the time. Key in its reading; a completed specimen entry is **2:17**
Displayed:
**10:43**
